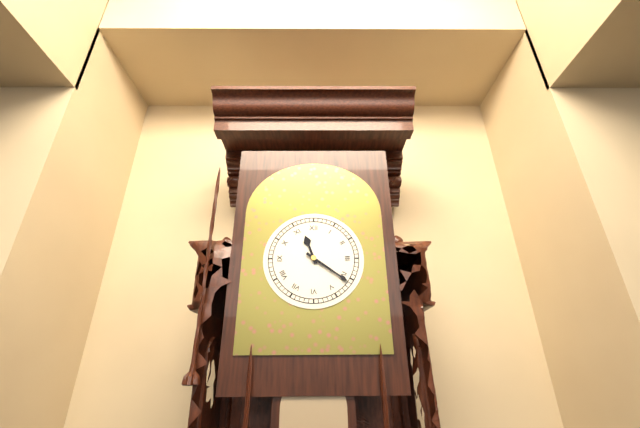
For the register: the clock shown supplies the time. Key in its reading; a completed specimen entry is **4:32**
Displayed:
**11:21**
